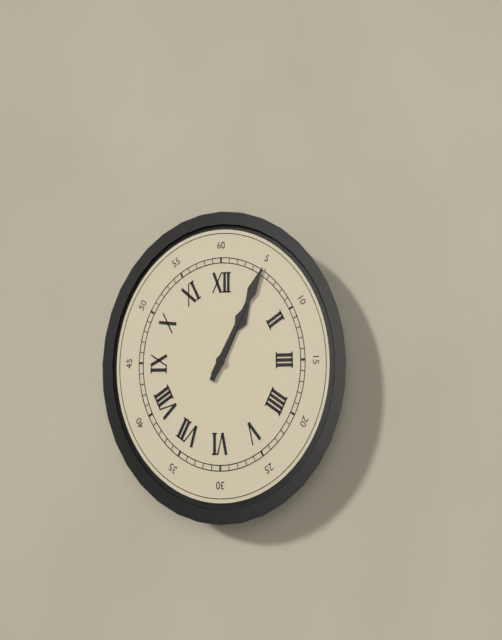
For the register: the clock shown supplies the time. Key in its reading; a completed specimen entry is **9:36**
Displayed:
**1:05**
